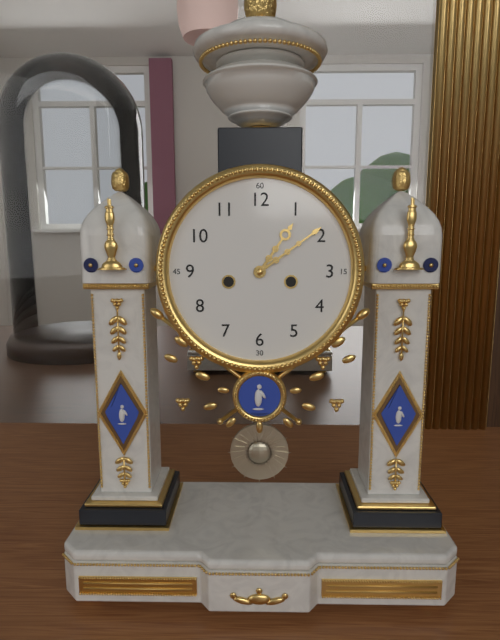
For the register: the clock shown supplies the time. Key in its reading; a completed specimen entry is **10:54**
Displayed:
**1:09**
